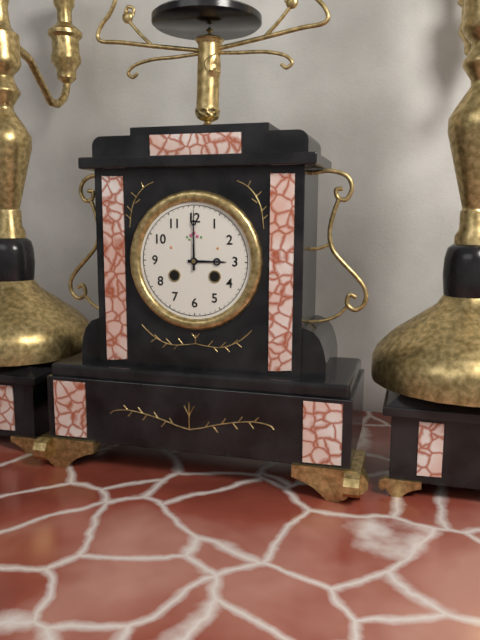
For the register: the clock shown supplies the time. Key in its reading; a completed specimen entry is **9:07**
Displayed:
**3:00**
